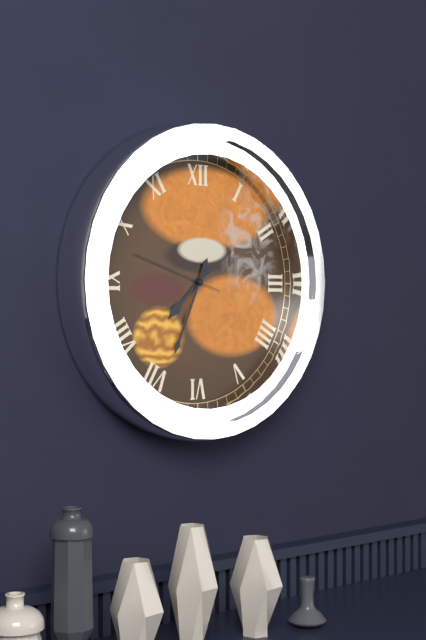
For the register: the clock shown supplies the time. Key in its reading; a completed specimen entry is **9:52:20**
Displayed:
**7:34:48**
